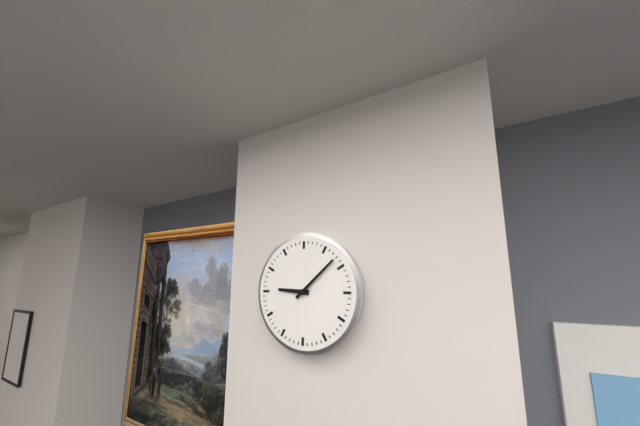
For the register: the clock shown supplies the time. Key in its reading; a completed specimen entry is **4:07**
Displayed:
**9:08**
